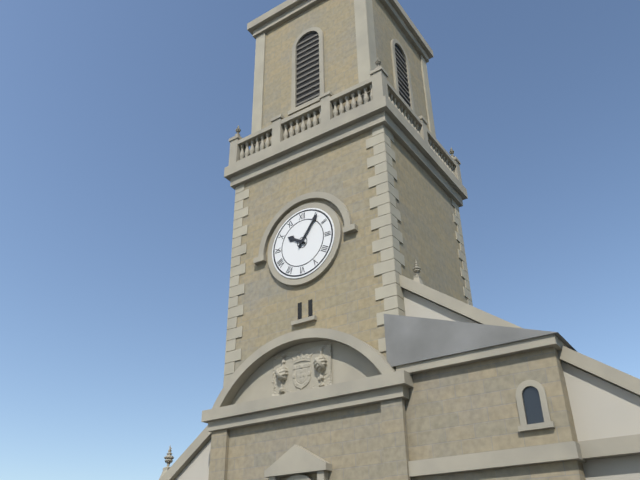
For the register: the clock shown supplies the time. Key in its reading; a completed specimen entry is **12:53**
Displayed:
**10:06**
